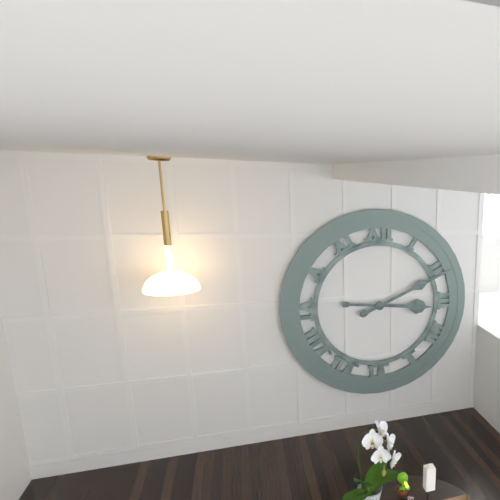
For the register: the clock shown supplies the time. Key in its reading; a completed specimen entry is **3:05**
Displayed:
**3:11**
